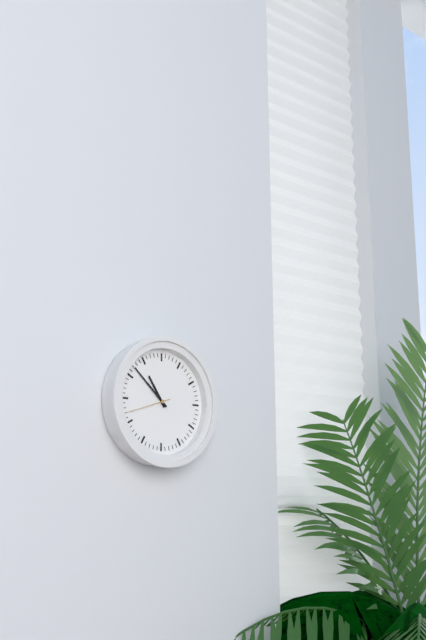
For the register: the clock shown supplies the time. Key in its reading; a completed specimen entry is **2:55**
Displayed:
**10:52**
